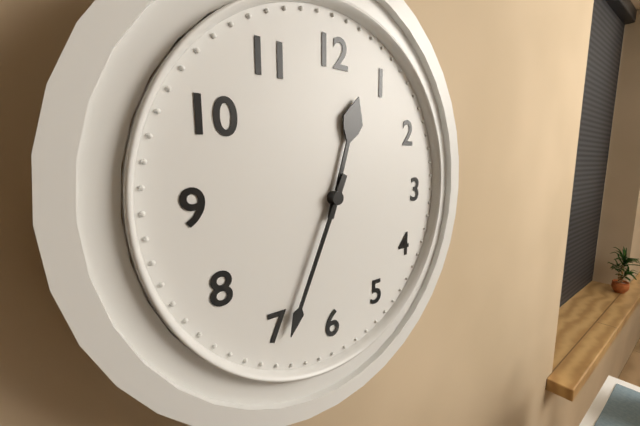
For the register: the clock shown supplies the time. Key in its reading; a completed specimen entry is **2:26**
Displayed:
**12:34**
